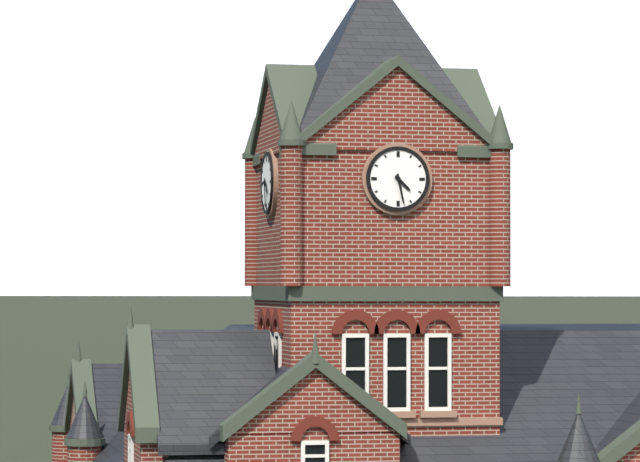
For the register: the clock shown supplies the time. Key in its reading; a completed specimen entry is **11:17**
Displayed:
**4:28**
